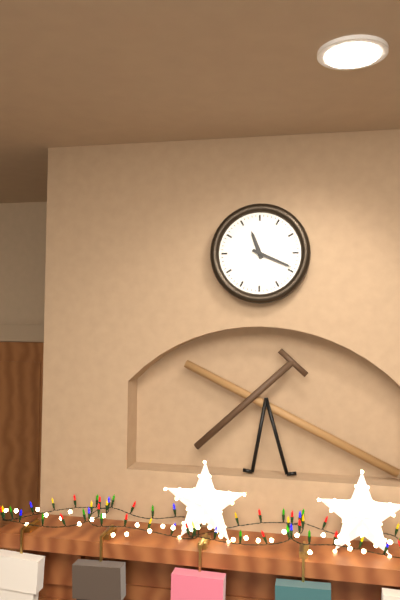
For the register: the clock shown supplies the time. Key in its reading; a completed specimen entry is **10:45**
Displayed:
**11:19**
